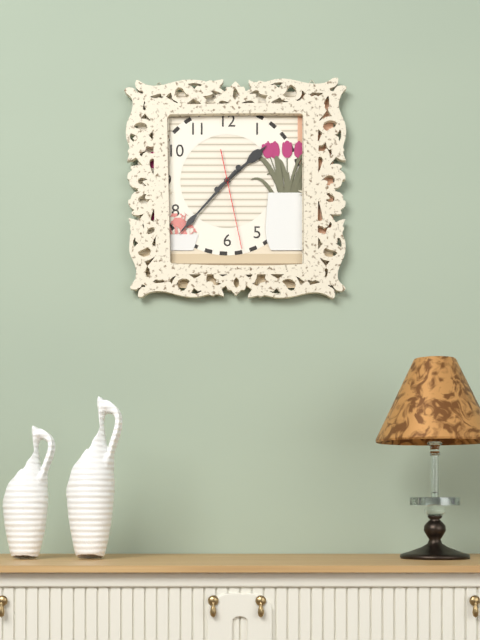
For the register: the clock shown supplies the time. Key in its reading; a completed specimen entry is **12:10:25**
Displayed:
**1:37:28**
